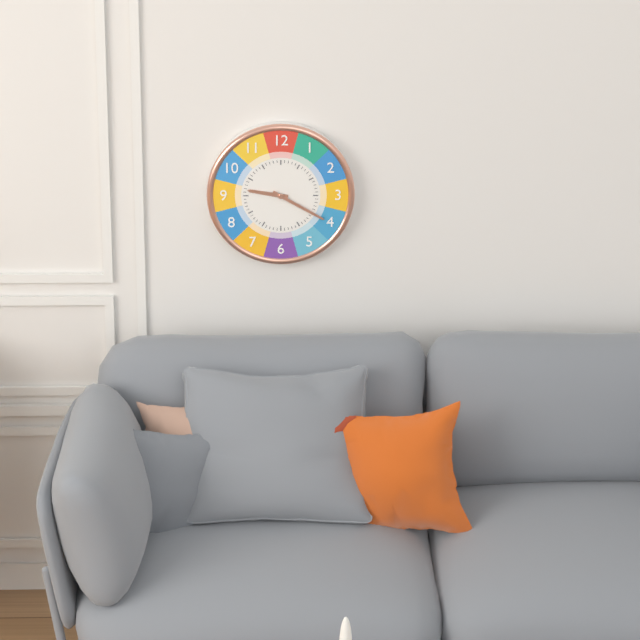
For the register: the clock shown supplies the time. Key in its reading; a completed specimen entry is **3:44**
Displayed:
**9:20**
